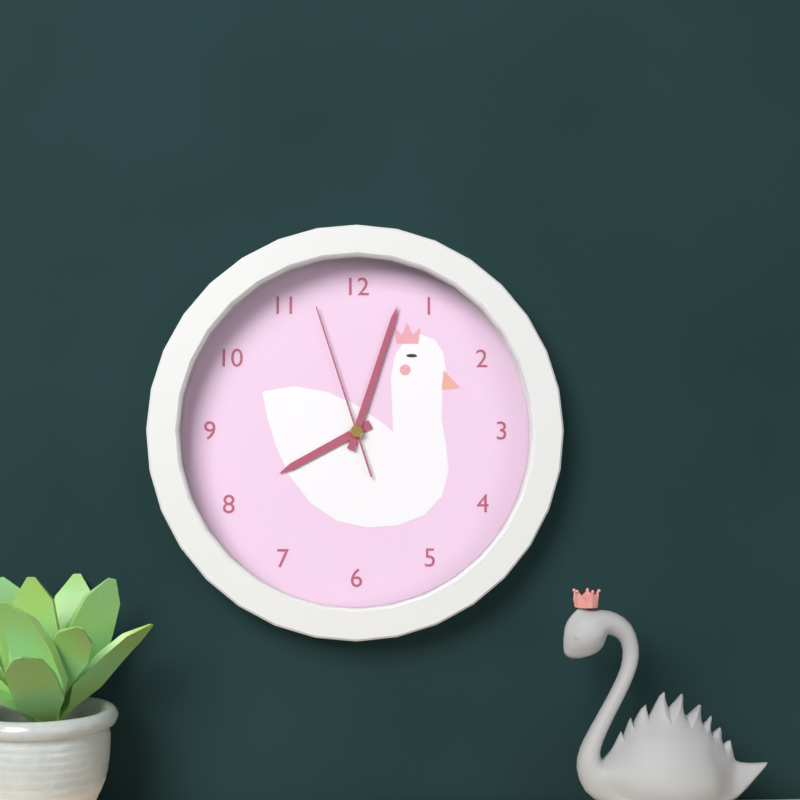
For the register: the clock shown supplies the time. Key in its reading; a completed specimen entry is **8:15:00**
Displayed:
**8:03:57**
